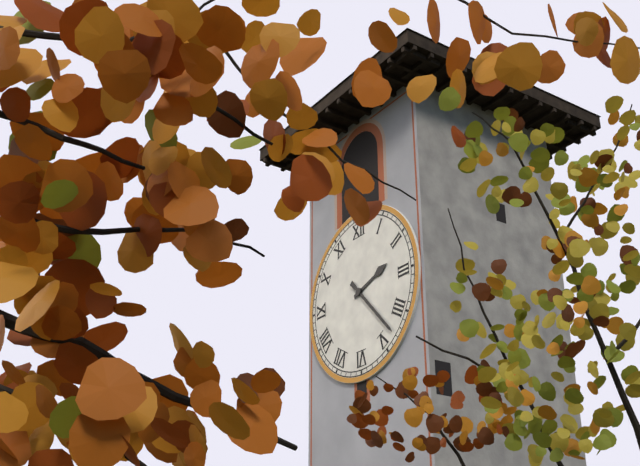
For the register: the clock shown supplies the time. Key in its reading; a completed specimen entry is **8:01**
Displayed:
**2:23**
